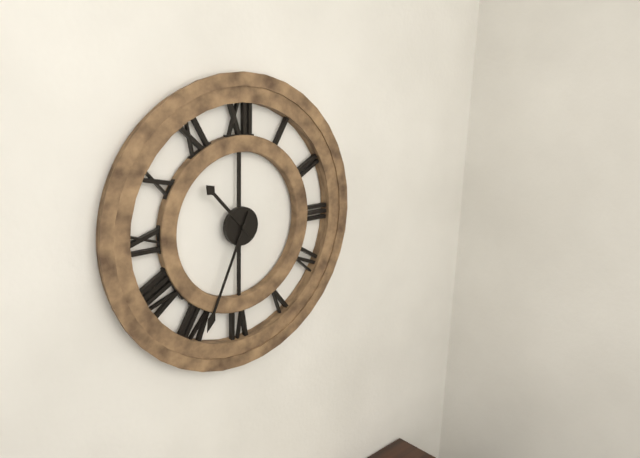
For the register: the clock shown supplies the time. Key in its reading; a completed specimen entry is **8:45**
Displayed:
**10:34**
